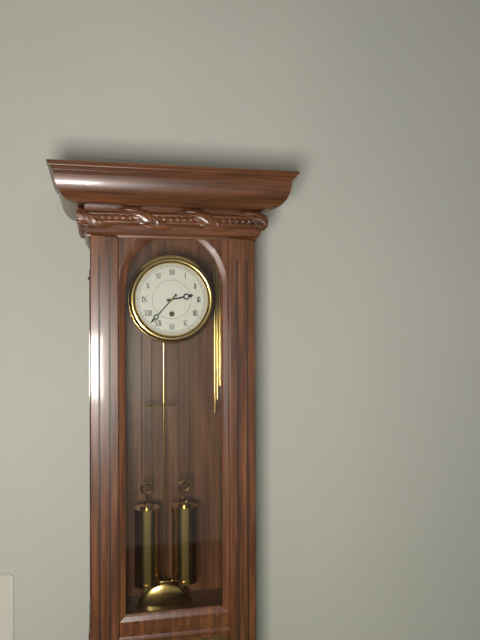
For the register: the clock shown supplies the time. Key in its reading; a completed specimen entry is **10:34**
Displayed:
**2:37**
